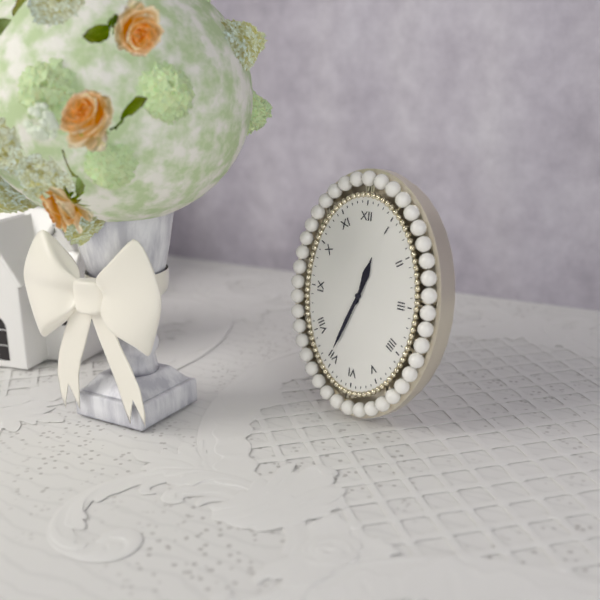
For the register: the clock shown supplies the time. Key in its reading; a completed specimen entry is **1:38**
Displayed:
**12:34**
